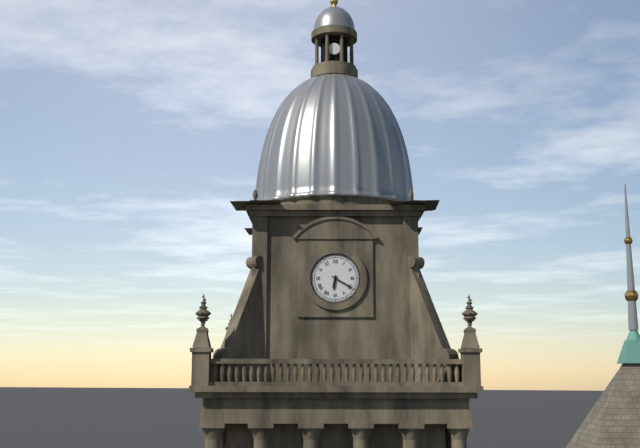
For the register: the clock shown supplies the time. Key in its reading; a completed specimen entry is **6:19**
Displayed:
**6:20**
